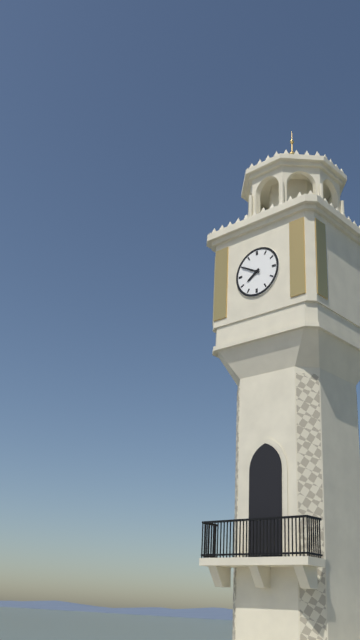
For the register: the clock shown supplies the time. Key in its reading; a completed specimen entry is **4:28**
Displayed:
**7:50**
